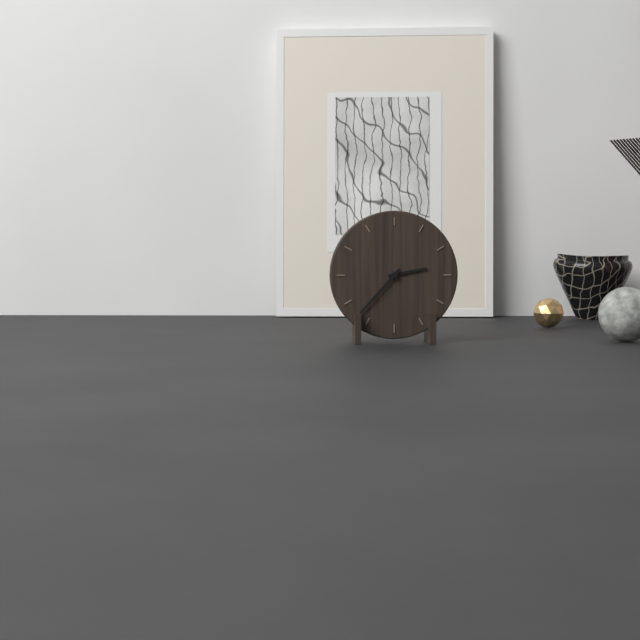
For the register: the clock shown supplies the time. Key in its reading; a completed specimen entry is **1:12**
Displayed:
**2:37**
